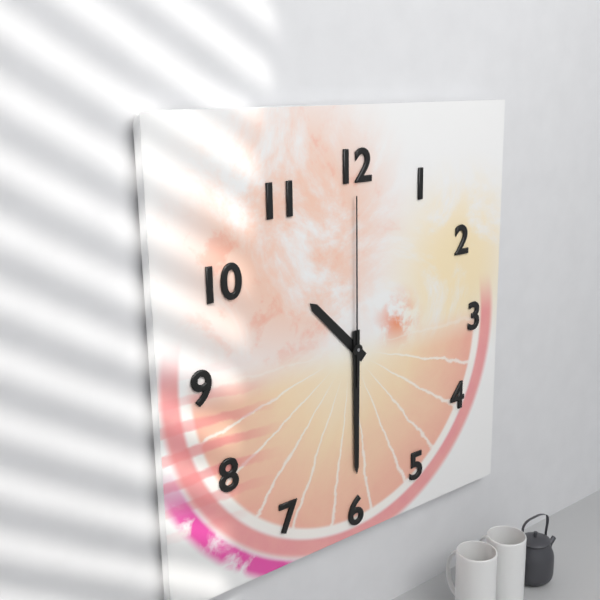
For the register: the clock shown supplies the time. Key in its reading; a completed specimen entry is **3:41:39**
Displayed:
**10:30:00**
